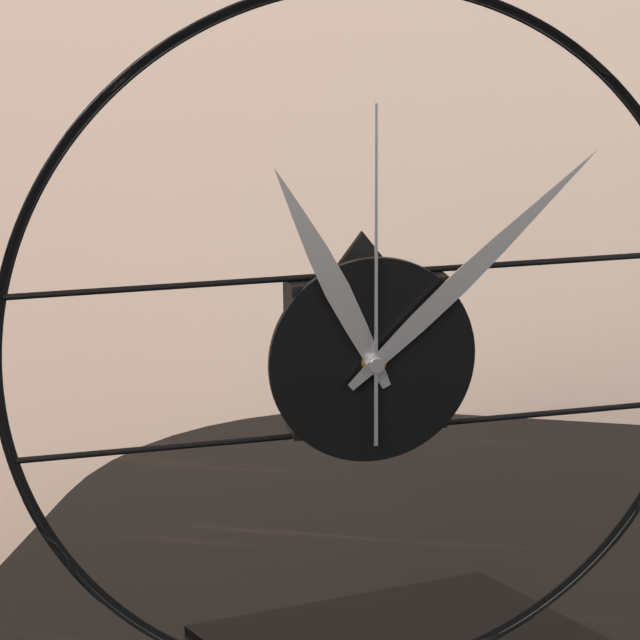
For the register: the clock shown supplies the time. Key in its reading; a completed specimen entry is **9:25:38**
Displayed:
**11:08:00**
